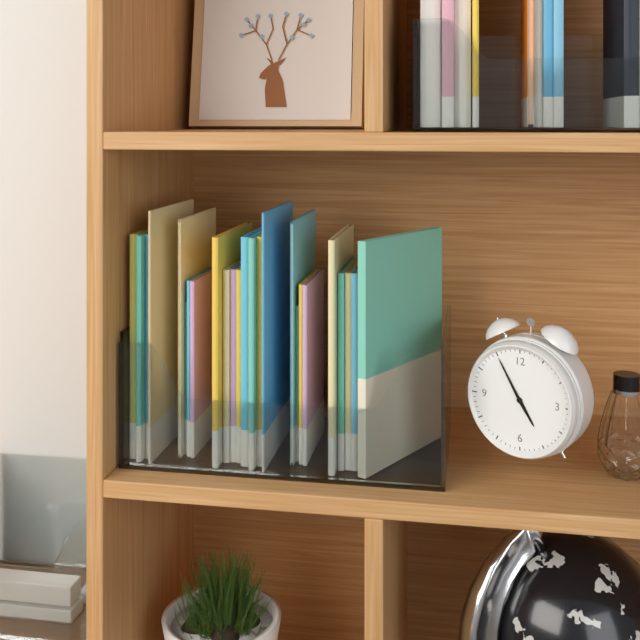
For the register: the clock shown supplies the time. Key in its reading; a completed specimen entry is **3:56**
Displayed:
**4:55**
